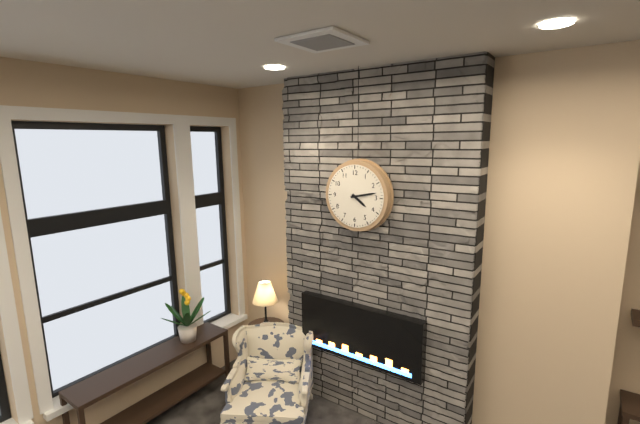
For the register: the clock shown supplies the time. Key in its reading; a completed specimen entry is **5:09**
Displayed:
**4:13**
